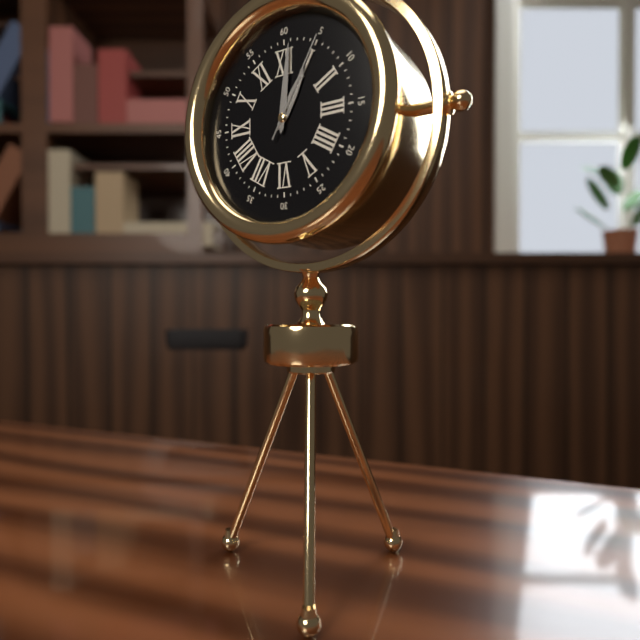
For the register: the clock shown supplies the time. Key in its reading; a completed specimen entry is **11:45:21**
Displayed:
**1:01:05**
